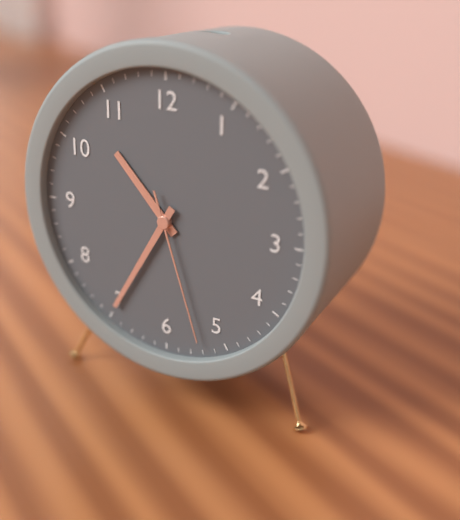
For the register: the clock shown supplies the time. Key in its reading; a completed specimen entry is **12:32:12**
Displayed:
**10:35:27**
